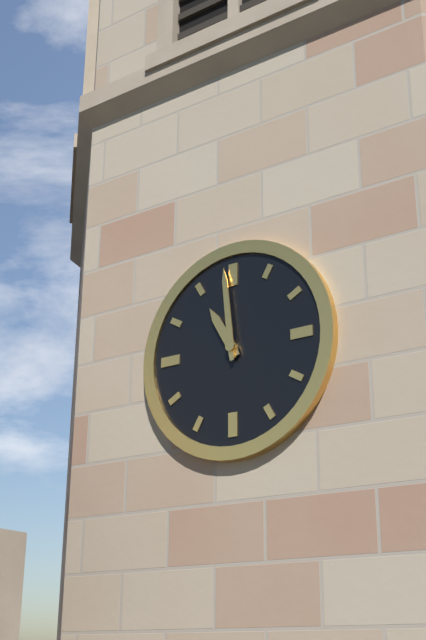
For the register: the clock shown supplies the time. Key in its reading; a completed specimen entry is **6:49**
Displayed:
**10:59**
